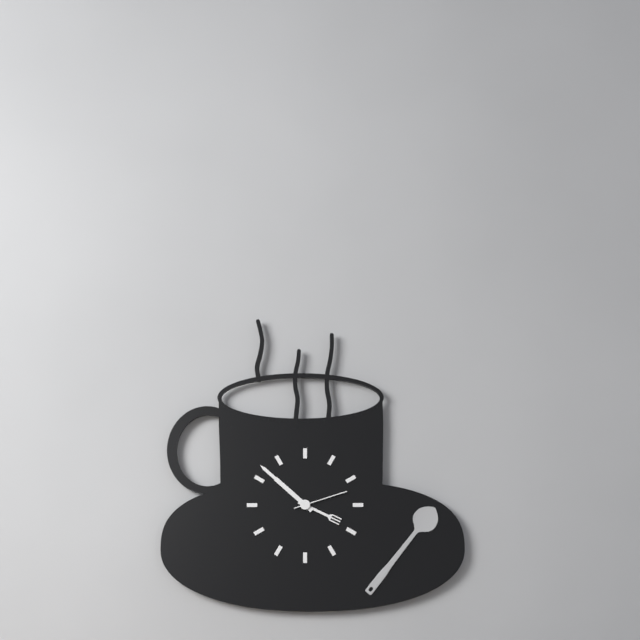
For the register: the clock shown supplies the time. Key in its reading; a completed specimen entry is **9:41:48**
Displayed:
**3:52:12**
